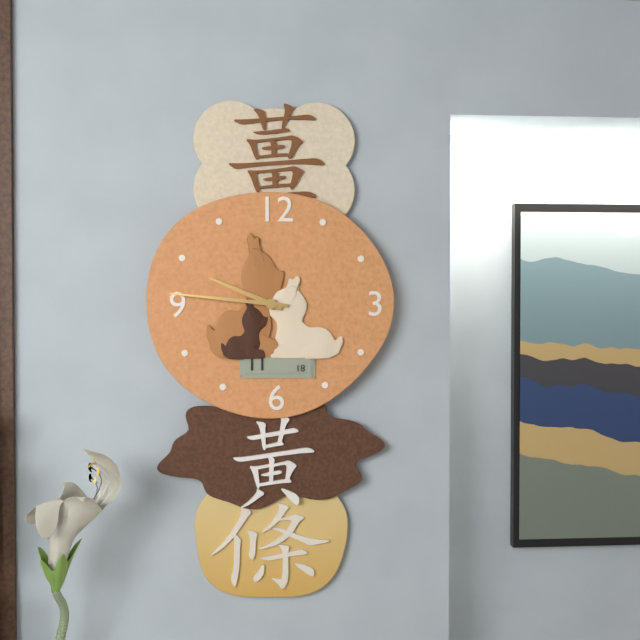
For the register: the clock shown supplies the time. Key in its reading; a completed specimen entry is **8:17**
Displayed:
**9:46**
